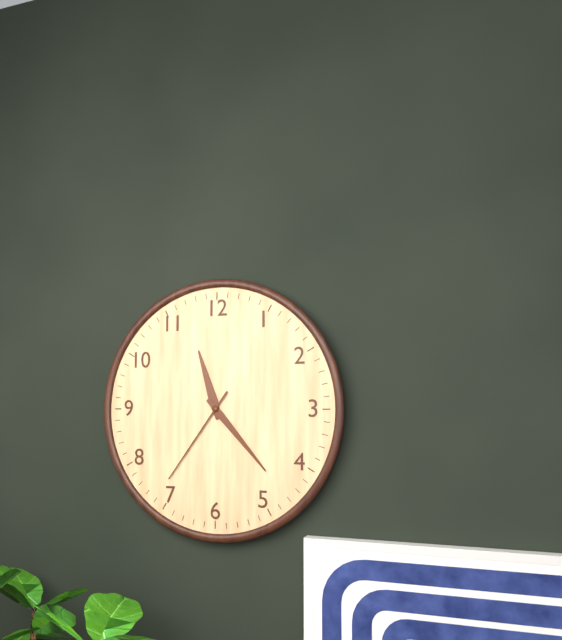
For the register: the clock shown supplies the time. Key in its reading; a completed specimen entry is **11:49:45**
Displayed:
**11:23:36**
